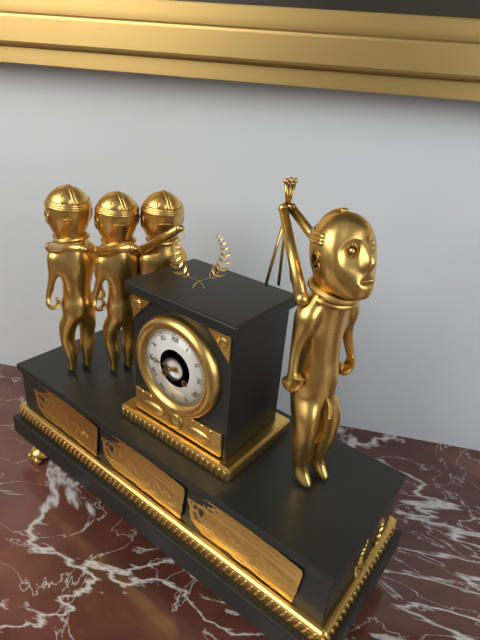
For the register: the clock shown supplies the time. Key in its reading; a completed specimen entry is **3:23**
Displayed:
**7:45**
